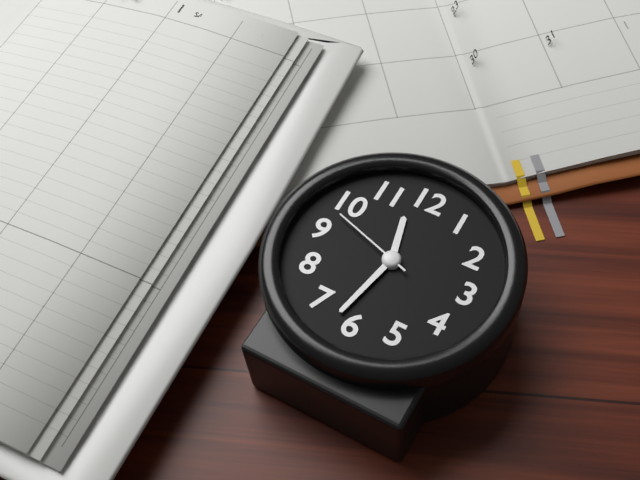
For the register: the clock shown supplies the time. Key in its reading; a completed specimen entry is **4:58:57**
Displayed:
**11:32:48**
